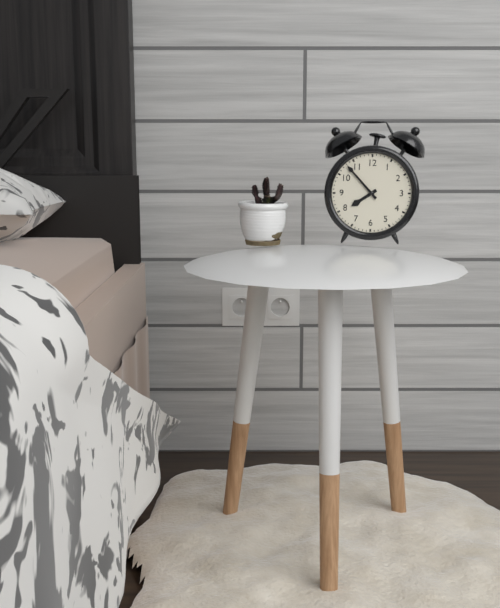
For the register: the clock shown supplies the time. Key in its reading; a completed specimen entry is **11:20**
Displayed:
**7:53**
